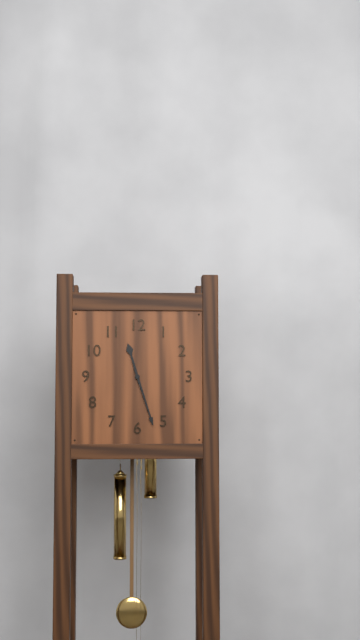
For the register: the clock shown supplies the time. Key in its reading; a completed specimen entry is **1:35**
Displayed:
**11:27**
